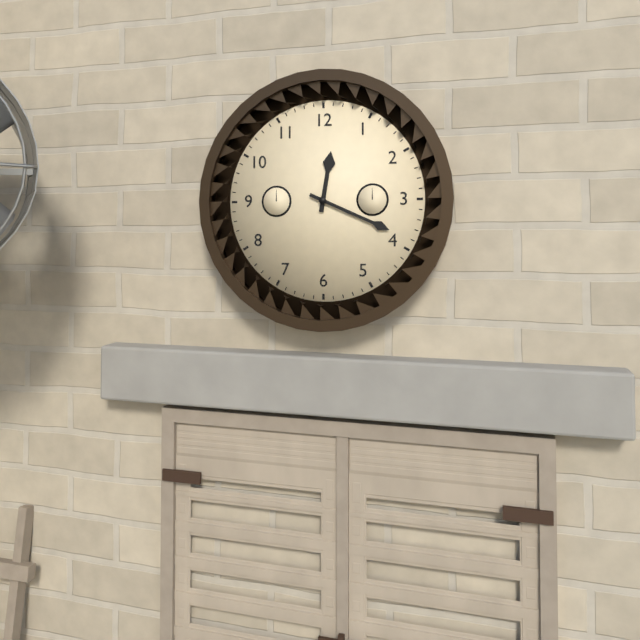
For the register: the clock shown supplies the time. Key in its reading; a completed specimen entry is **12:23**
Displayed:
**12:19**
